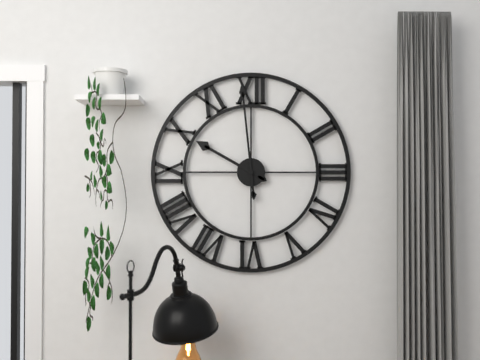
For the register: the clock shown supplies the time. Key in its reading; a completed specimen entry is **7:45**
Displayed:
**9:59**
